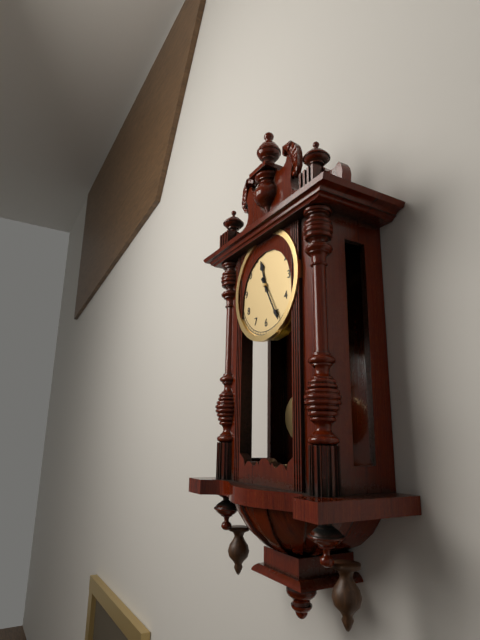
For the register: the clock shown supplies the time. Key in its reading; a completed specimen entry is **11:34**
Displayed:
**11:25**
